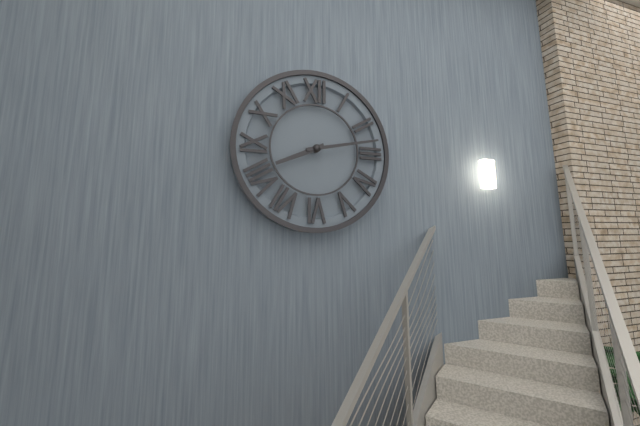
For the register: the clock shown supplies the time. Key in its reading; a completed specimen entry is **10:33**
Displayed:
**8:13**
